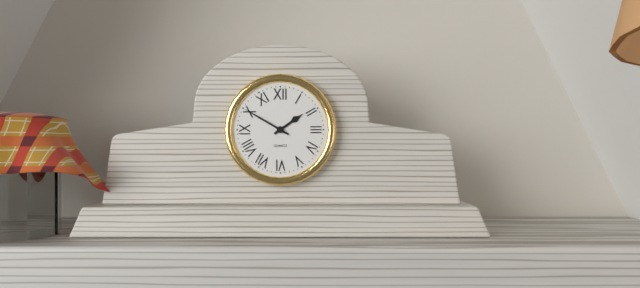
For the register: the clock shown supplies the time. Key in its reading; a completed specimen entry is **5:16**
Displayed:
**1:50**
